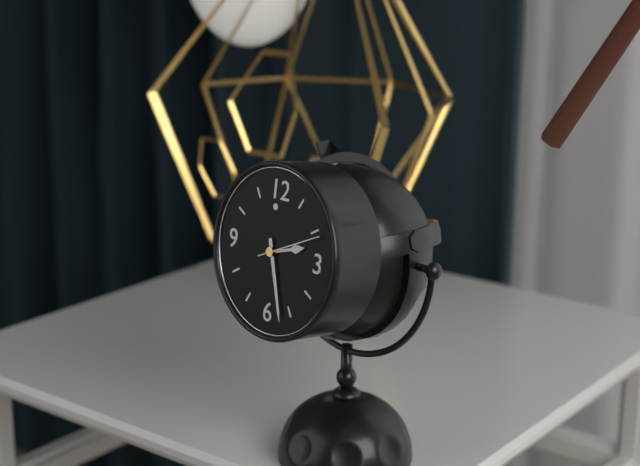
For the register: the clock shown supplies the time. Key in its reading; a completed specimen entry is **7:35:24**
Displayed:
**2:27:11**
